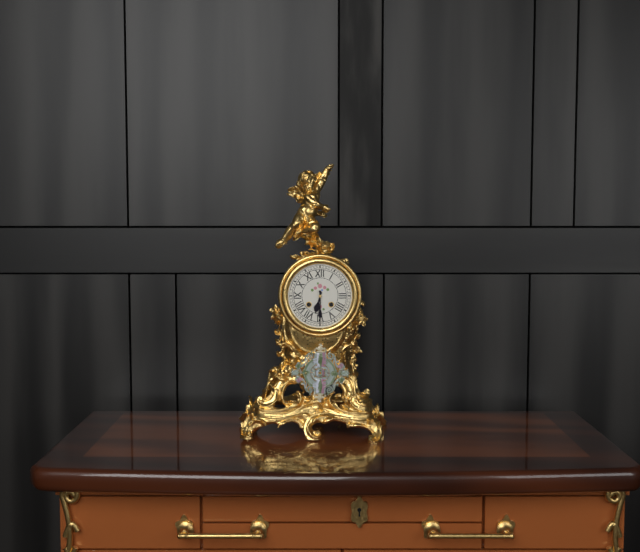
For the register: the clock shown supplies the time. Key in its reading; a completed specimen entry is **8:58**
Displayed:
**6:30**
